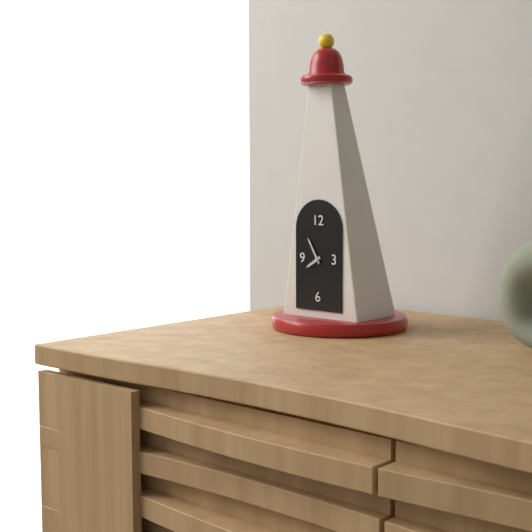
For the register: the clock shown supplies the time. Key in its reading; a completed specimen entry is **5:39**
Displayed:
**7:55**
